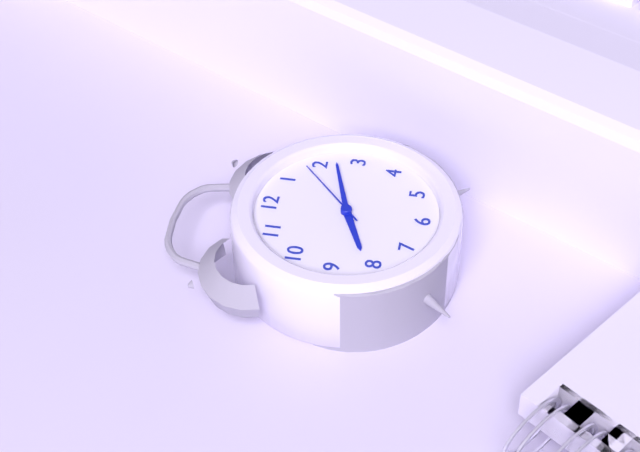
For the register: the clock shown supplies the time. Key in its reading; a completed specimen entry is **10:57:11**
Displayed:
**8:12:08**
